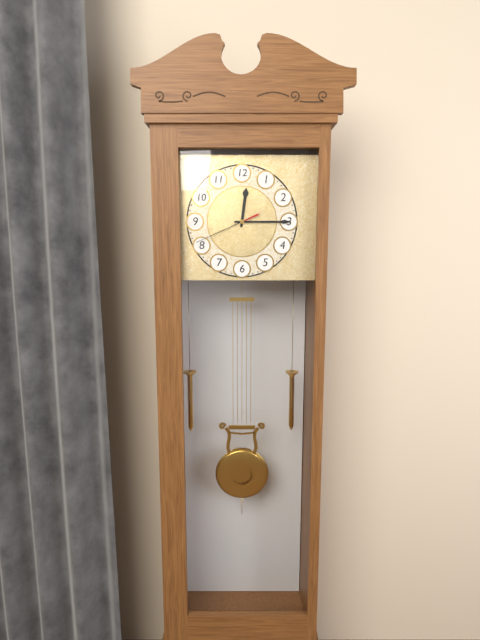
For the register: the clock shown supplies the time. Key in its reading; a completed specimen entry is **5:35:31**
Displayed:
**12:15:41**
